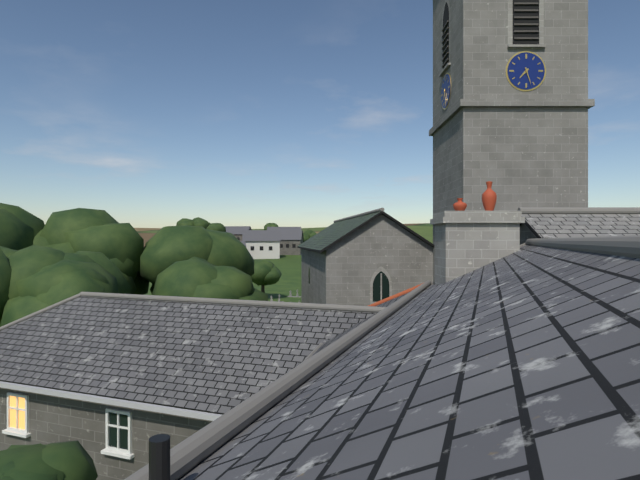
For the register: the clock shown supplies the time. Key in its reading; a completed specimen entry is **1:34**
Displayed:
**7:27**
